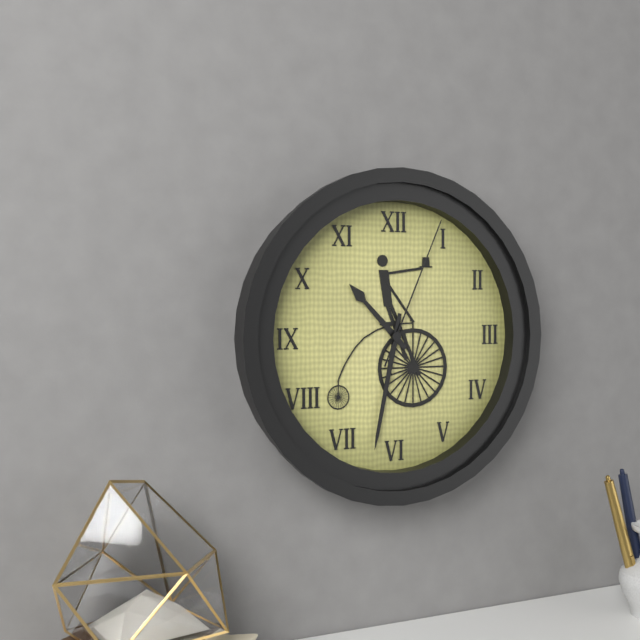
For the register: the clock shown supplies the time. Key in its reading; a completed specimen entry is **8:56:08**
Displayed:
**10:32:04**
